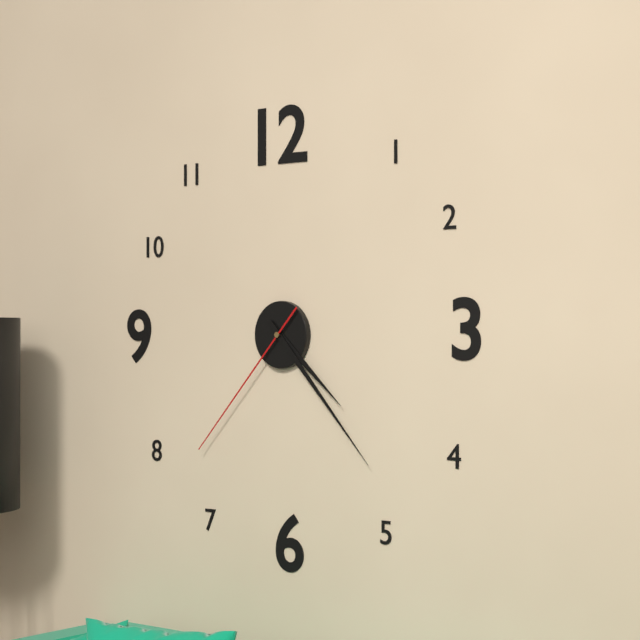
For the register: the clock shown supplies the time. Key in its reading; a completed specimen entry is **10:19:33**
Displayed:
**4:23:37**
